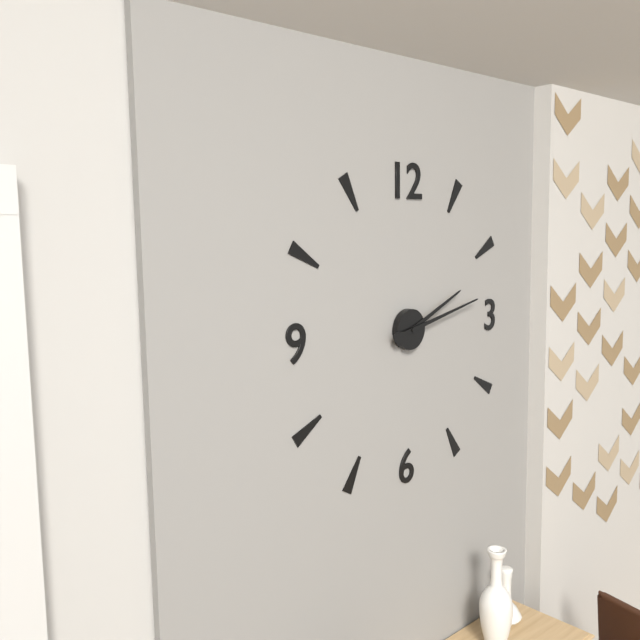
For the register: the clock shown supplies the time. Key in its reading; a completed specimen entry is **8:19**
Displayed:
**2:13**
